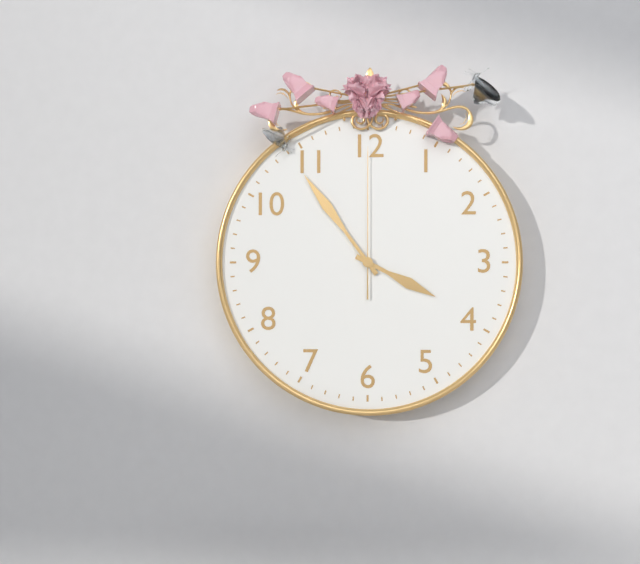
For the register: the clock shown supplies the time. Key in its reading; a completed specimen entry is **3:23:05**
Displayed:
**3:54:00**
